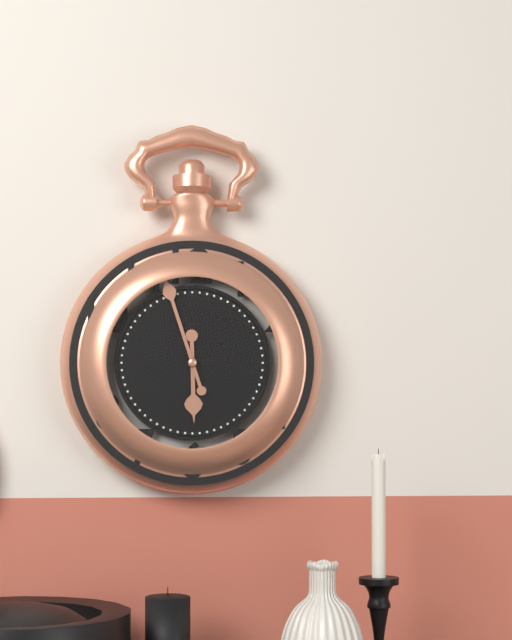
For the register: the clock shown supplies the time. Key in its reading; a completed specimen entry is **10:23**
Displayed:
**5:57**
